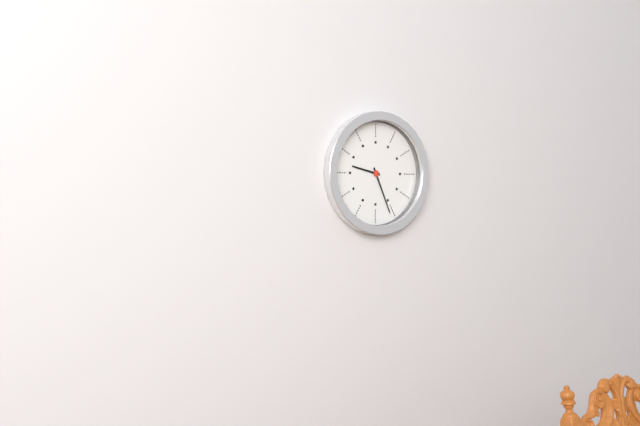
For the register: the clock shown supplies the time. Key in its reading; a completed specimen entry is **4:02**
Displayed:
**9:26**
